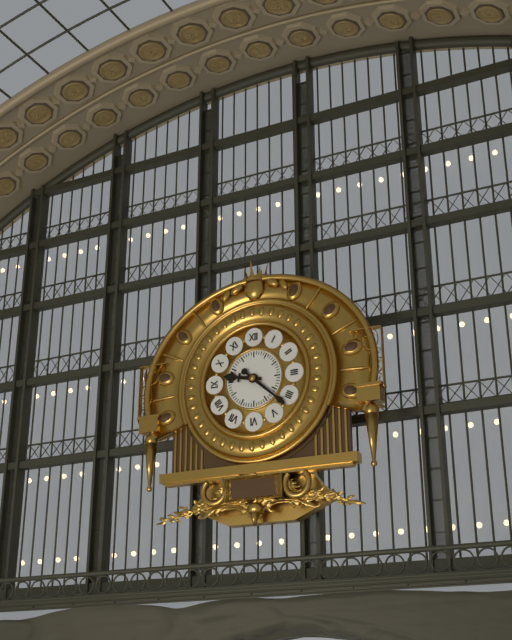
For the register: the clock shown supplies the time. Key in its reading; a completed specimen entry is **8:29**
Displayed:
**9:22**
